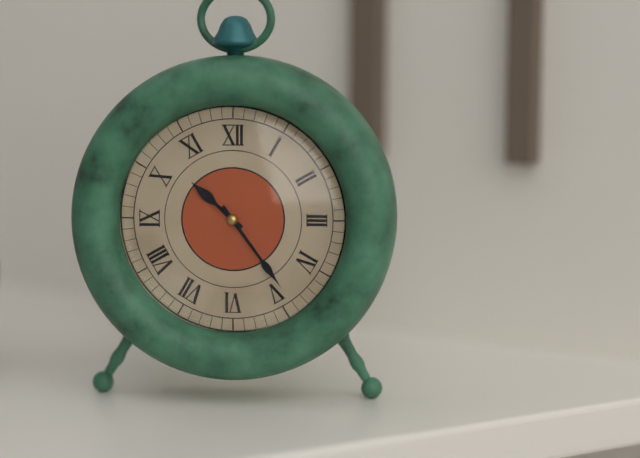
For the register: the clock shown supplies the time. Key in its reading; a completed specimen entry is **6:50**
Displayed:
**10:24**
